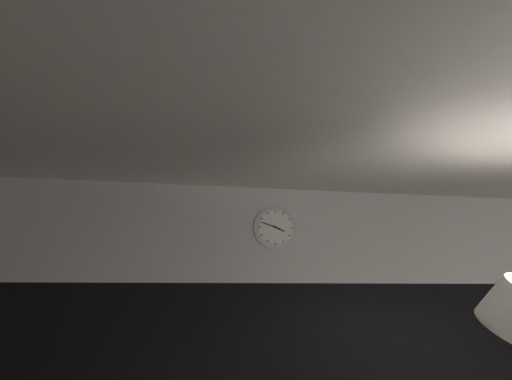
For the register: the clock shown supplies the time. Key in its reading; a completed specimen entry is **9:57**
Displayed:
**3:48**
